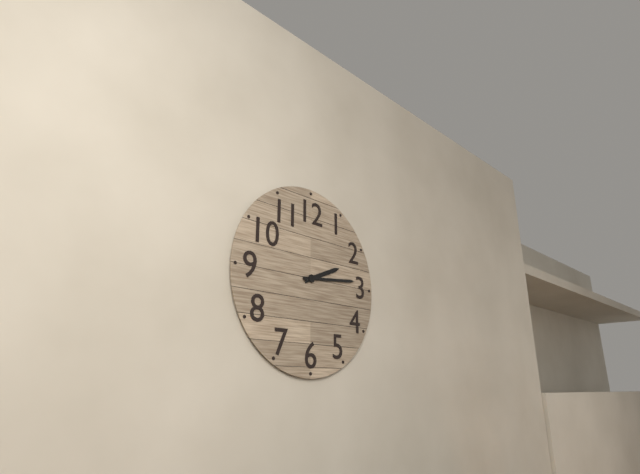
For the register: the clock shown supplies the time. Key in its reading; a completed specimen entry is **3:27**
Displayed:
**2:14**
